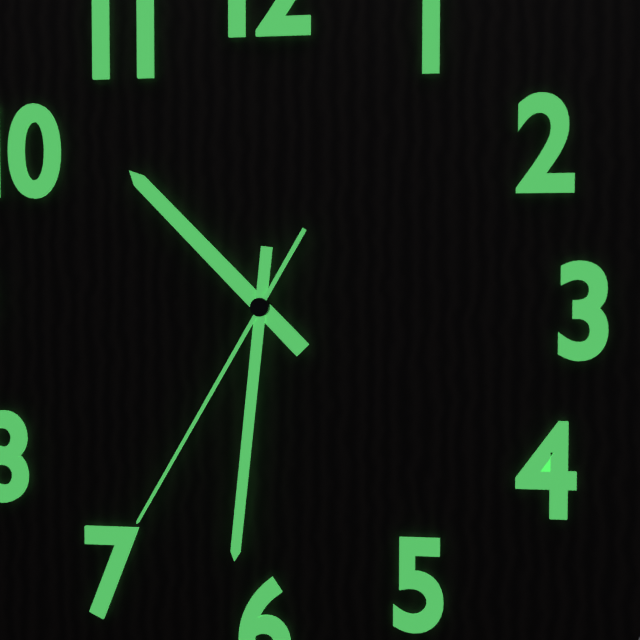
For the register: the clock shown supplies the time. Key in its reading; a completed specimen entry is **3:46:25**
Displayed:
**10:31:35**
